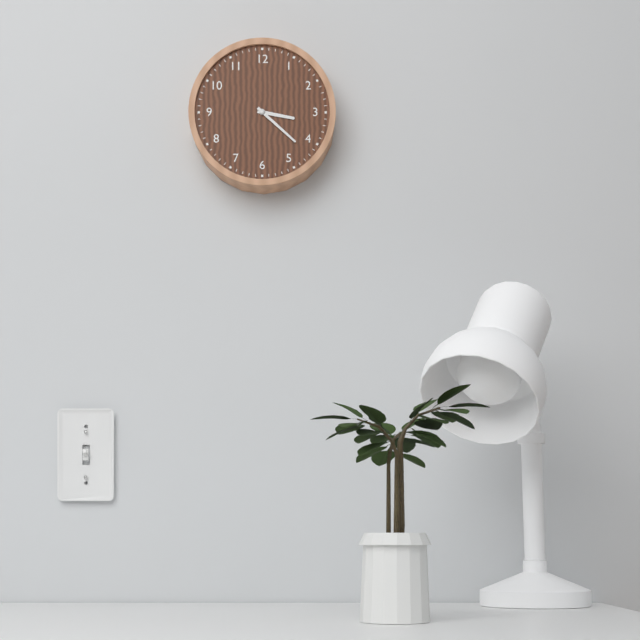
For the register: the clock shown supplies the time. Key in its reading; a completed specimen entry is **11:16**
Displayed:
**3:22**
